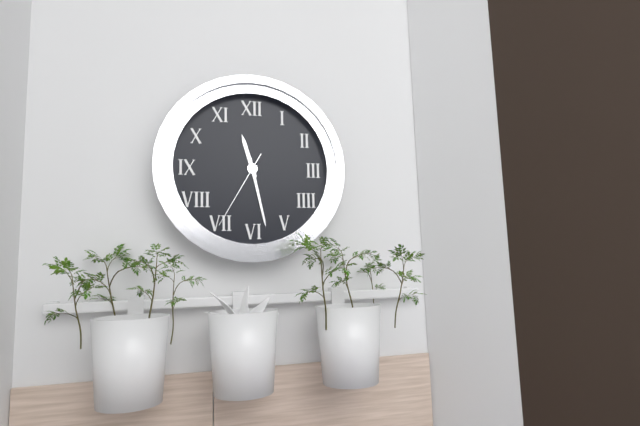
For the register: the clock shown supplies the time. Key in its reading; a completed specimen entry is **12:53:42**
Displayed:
**11:28:35**
